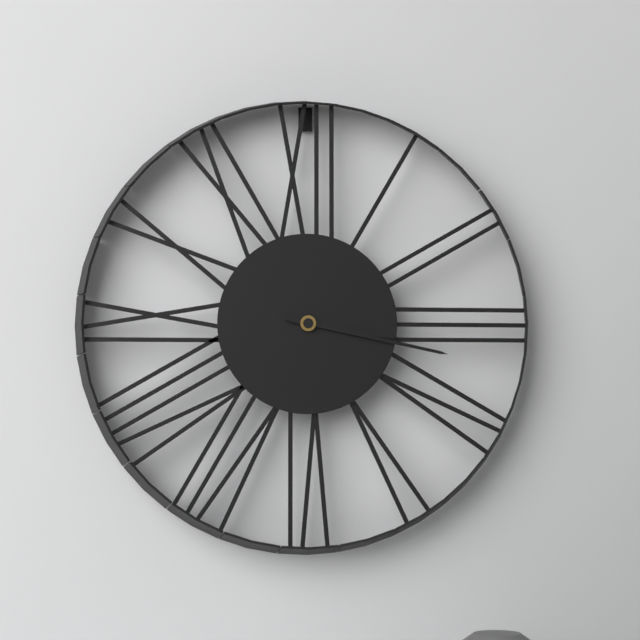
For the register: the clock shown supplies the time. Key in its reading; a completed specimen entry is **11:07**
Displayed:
**3:17**
